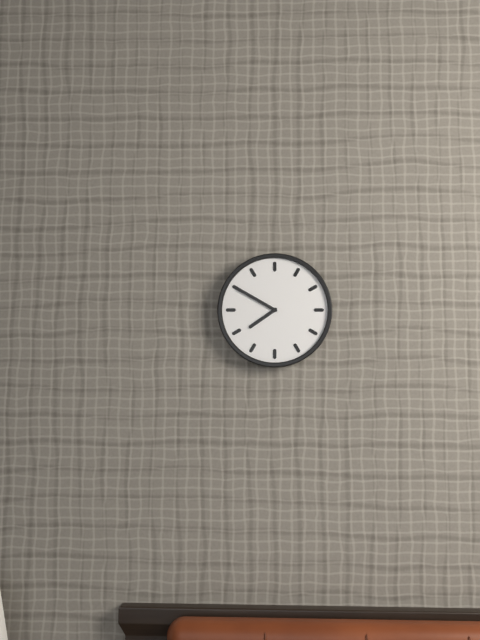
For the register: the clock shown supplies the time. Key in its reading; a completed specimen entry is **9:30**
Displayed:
**7:50**
